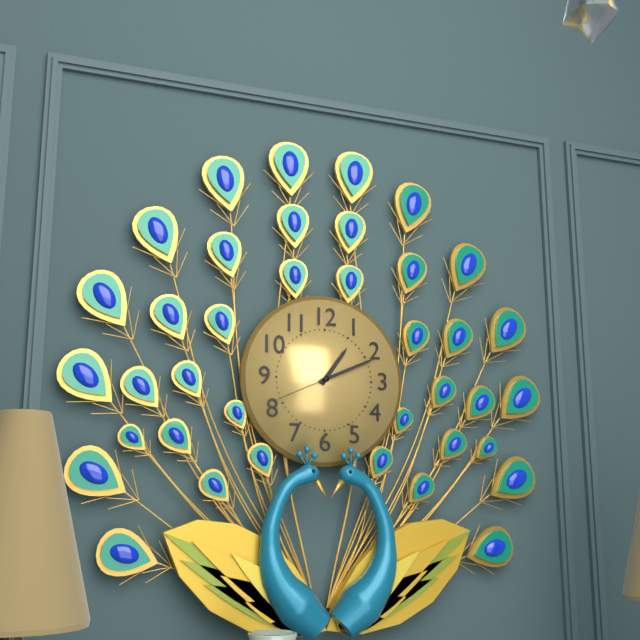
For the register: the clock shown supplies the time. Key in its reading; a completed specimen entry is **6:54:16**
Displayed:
**1:11:41**
